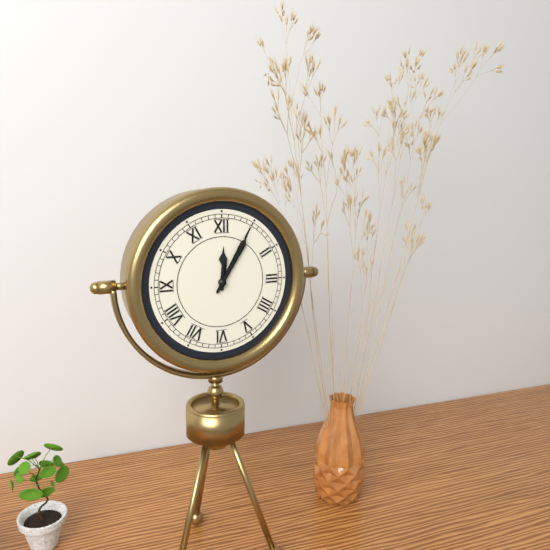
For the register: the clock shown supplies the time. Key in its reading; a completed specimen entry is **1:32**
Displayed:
**12:05**
